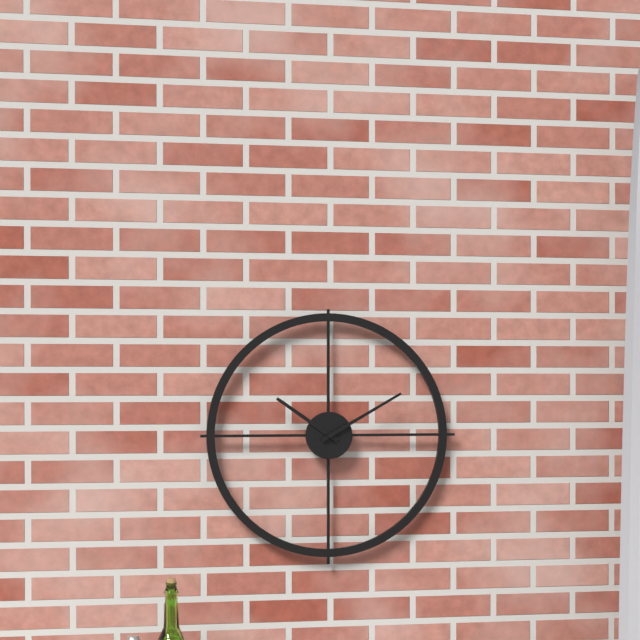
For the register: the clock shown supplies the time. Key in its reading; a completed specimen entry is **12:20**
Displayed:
**10:10**
